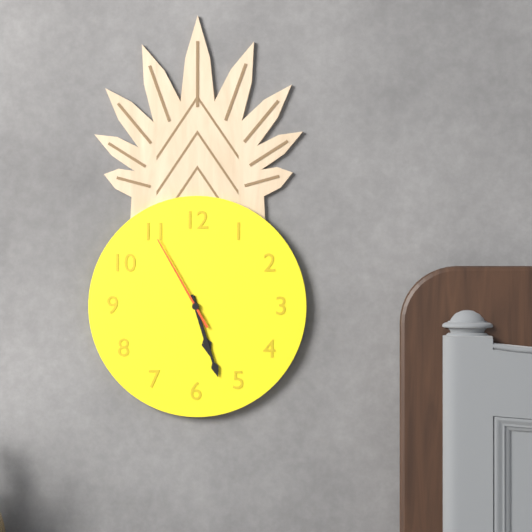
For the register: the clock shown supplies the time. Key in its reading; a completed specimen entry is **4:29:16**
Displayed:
**5:27:55**
